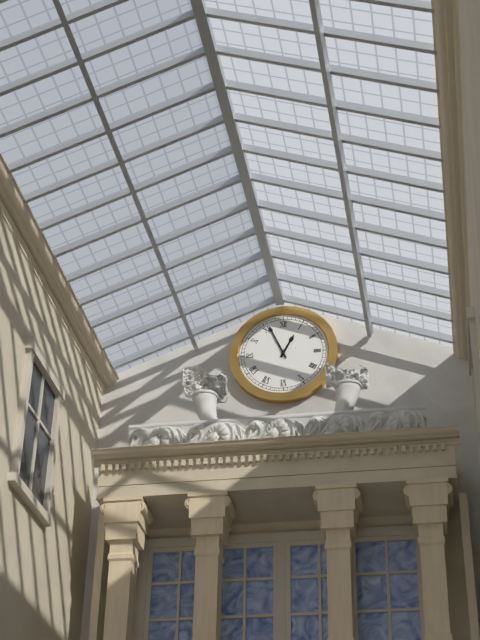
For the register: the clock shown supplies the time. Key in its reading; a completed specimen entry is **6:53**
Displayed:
**12:56**
